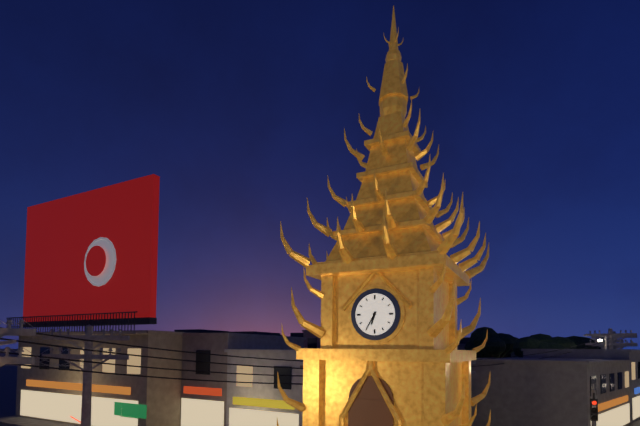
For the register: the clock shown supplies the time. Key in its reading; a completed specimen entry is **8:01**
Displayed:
**6:35**
